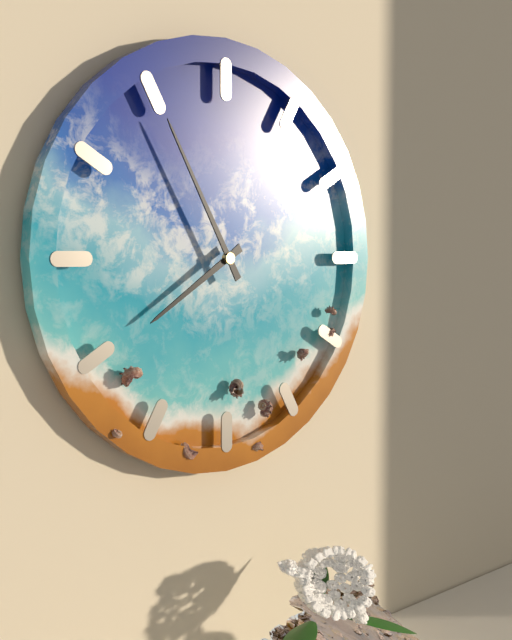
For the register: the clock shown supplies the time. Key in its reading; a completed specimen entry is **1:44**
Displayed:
**7:55**
